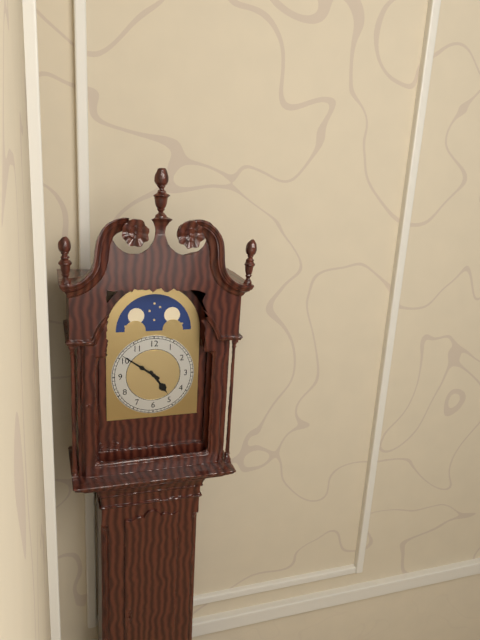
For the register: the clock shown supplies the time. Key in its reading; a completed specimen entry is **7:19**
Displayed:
**4:51**
